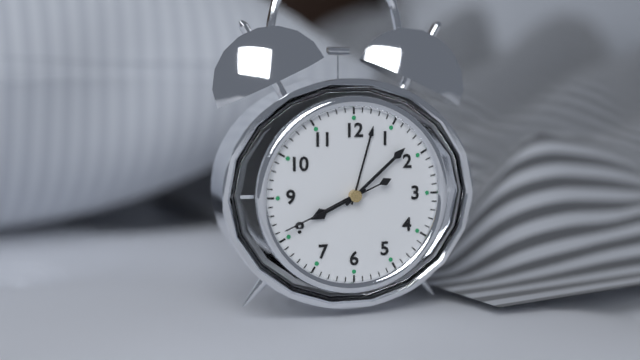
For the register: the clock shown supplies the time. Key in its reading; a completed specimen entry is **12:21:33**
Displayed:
**8:08:41**
